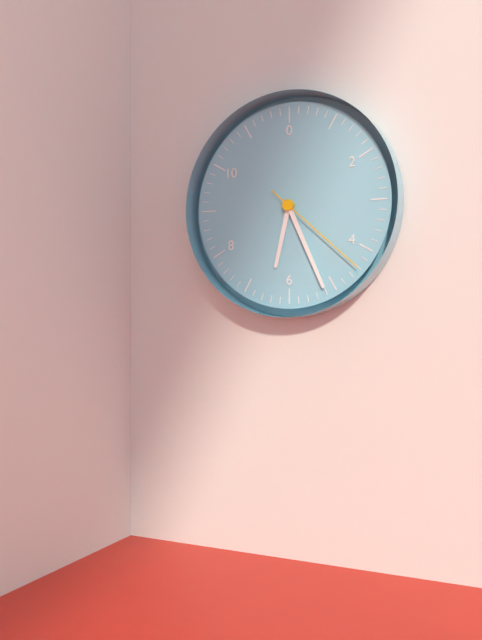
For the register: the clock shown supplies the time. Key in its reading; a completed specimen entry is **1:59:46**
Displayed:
**6:26:22**
